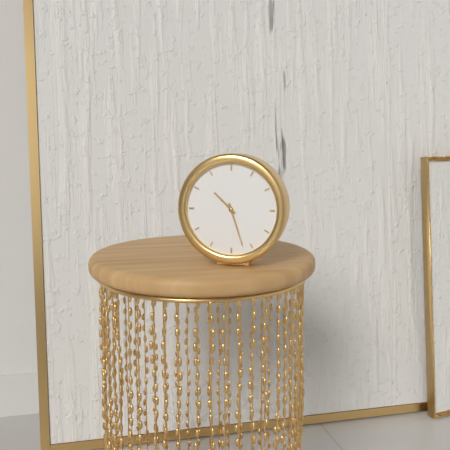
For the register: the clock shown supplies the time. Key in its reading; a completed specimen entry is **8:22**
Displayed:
**10:27**
